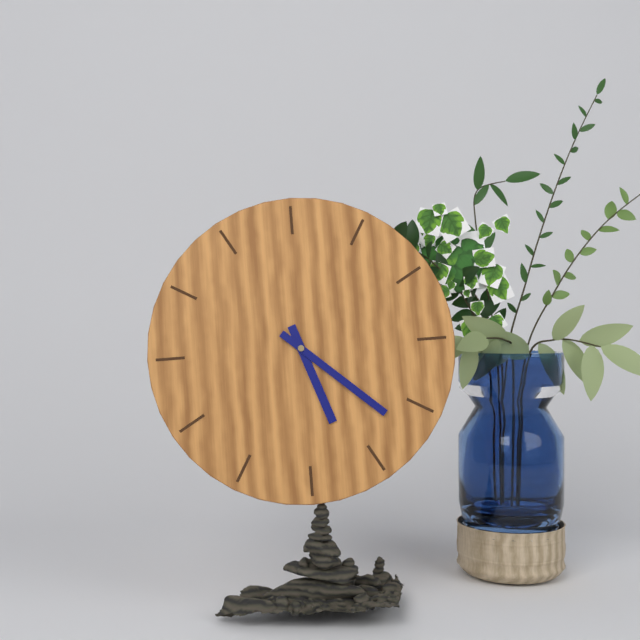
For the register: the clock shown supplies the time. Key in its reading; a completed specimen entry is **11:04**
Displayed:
**5:22**
